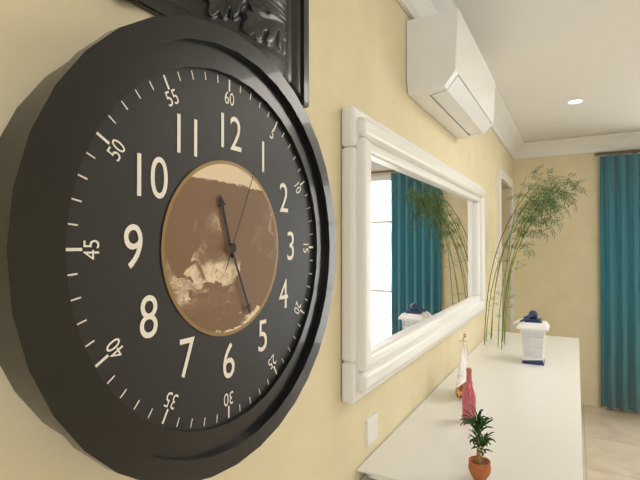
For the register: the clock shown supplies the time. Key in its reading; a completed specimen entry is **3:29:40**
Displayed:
**11:26:04**
